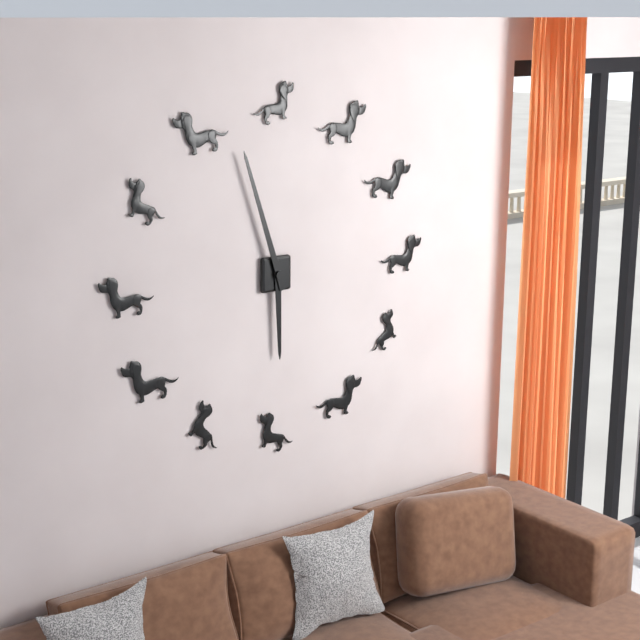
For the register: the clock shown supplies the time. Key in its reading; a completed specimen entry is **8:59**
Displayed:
**5:57**
